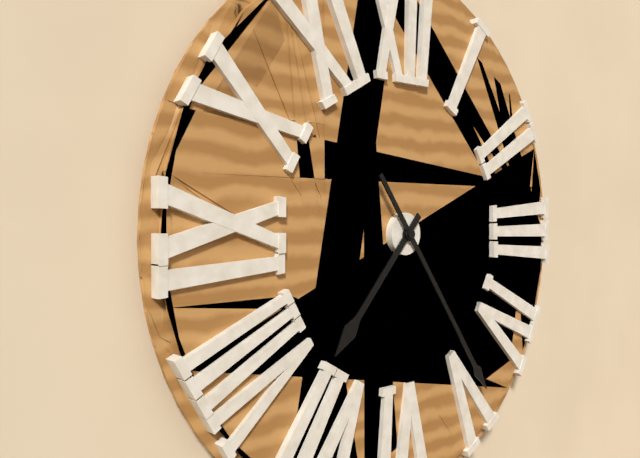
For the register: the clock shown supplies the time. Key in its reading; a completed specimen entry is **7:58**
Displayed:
**7:24**
